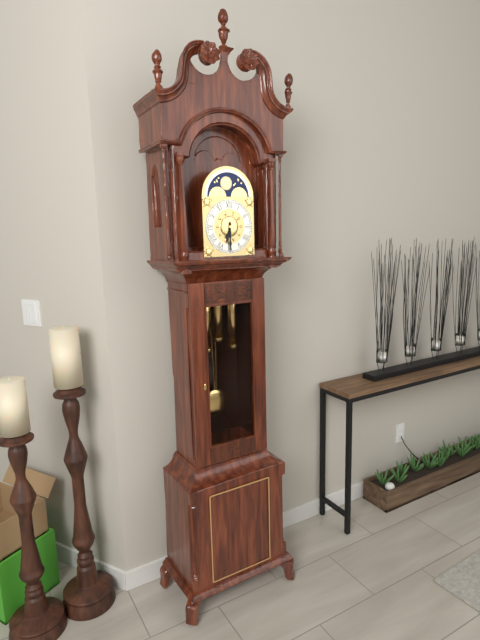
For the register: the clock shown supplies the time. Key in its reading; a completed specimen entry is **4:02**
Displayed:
**6:30**
